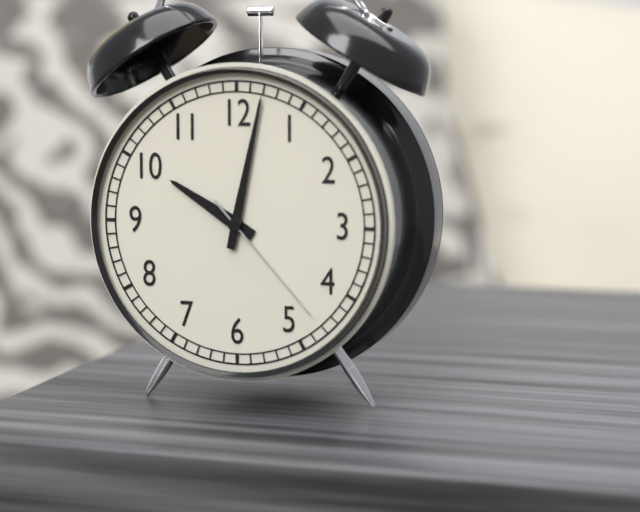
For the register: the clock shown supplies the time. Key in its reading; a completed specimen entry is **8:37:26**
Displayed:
**10:02:23**
